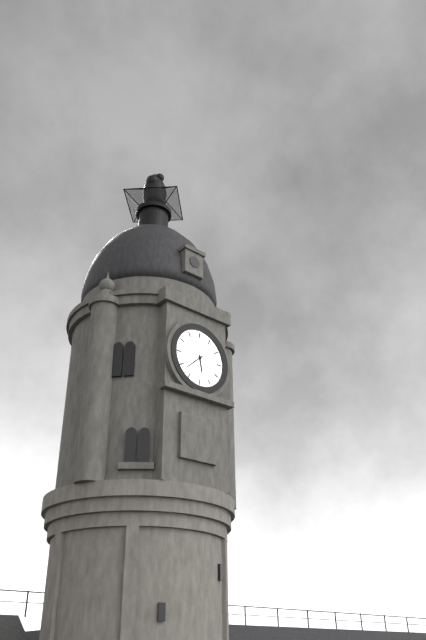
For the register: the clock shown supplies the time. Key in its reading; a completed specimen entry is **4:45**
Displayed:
**5:38**
